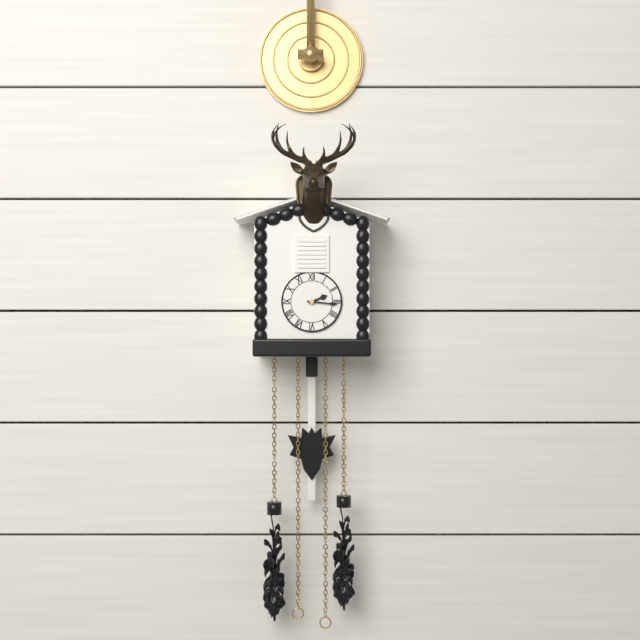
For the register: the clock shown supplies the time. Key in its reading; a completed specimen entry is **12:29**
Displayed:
**2:16**
